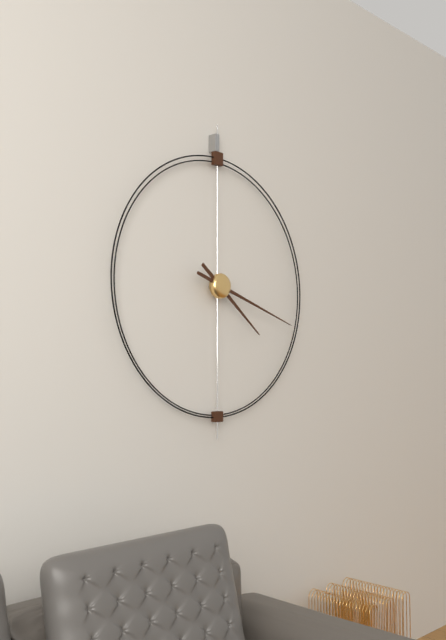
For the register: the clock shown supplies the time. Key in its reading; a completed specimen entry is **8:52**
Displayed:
**4:18**
